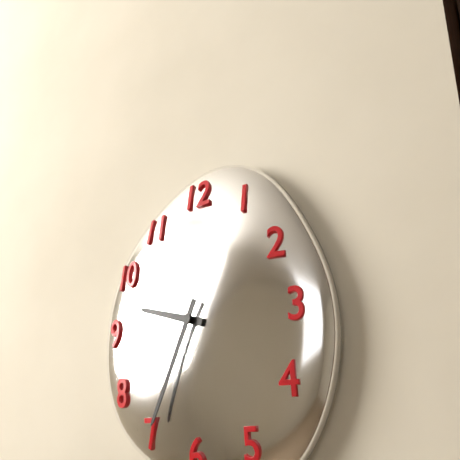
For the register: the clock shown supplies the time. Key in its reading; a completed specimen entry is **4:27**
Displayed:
**9:34**
